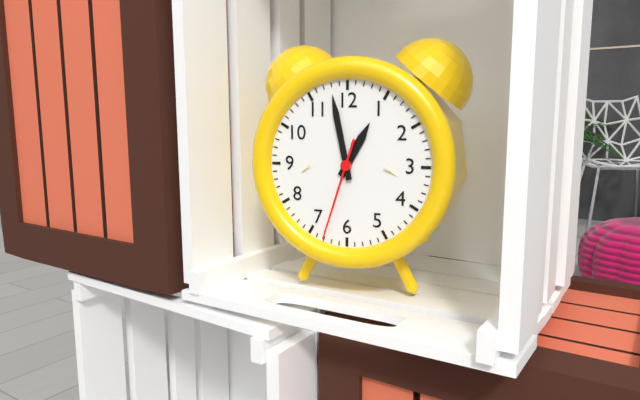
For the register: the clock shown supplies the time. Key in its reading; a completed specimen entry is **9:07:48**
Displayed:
**12:58:33**
